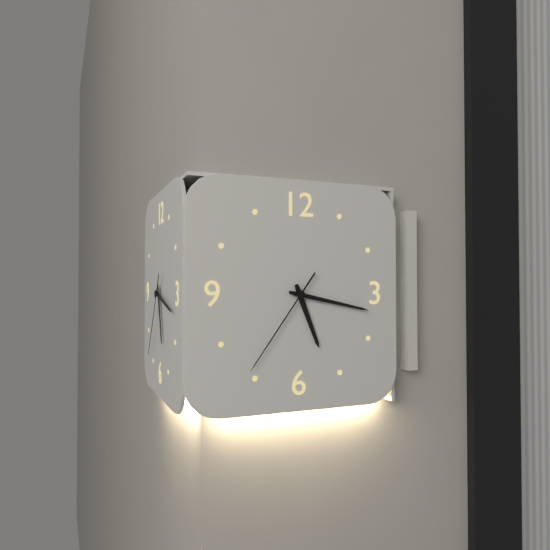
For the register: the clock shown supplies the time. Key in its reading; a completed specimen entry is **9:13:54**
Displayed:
**5:17:36**
